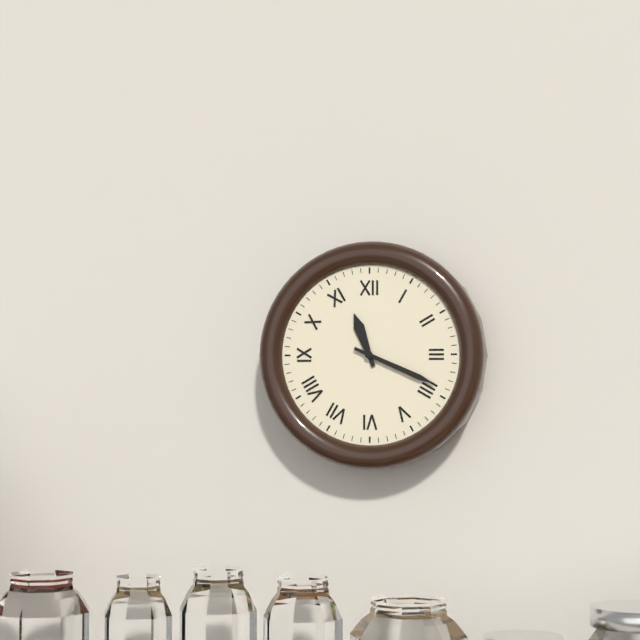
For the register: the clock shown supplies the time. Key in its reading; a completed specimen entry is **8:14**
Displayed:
**11:19**
